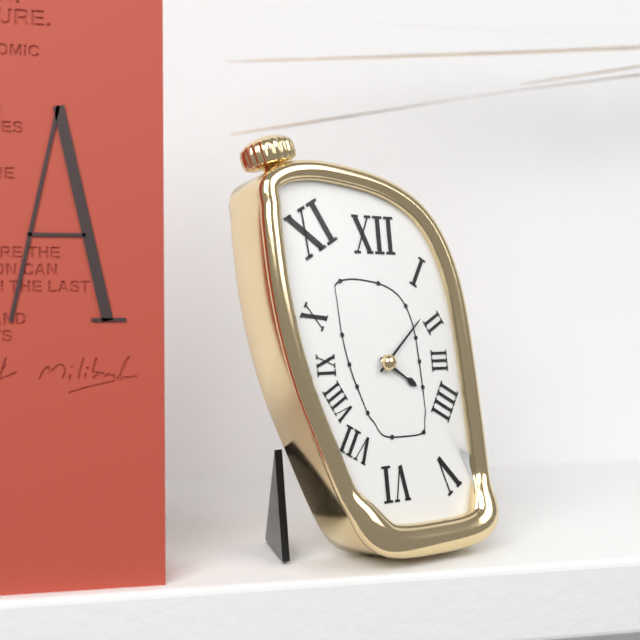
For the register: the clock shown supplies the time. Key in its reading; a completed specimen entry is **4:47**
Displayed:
**4:08**
